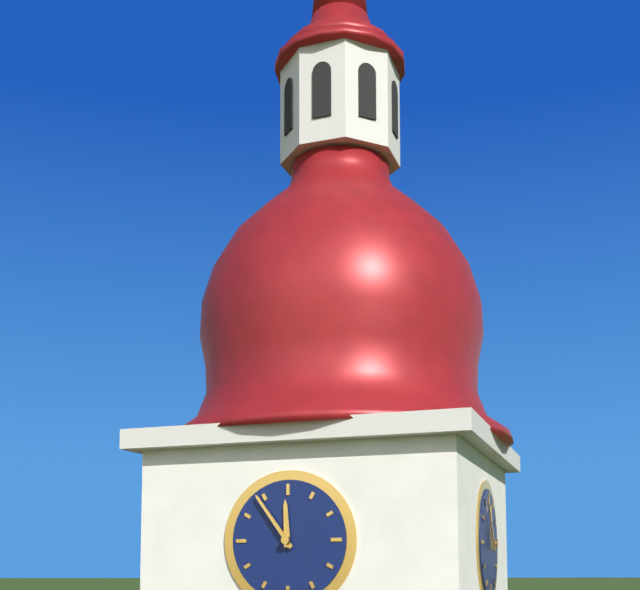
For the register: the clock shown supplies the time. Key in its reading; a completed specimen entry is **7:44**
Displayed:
**11:54**
